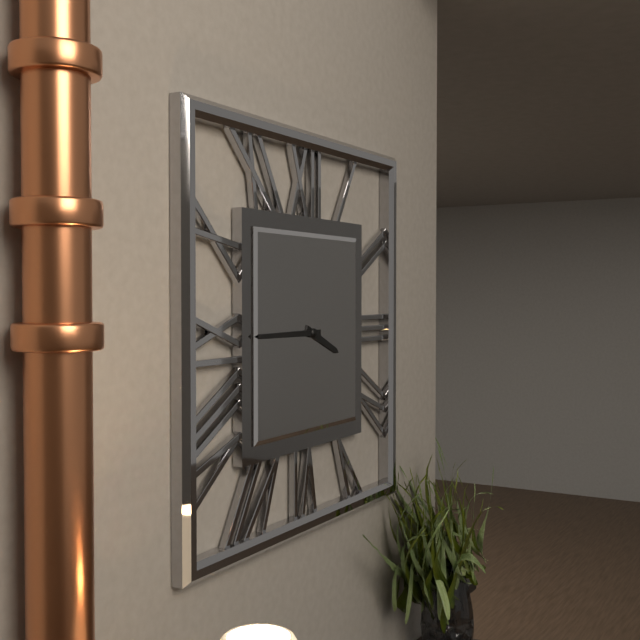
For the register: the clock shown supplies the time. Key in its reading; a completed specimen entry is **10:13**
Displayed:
**3:45**
